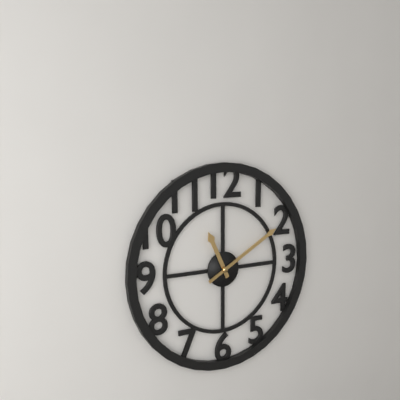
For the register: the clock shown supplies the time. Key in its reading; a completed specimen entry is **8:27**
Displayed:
**11:10**
